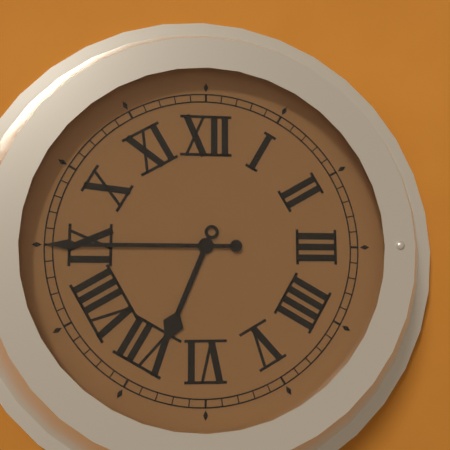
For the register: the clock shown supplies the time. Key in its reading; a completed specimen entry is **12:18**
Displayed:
**6:45**
